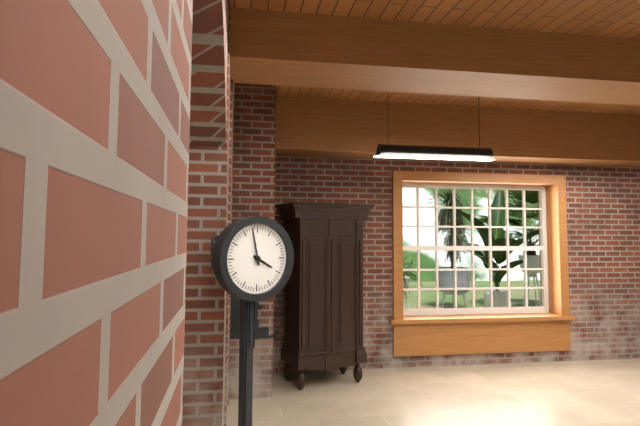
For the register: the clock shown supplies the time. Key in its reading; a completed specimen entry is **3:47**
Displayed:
**3:58**
